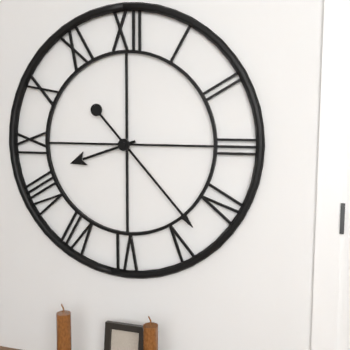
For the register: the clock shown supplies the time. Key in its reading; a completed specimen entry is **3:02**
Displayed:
**8:23**
